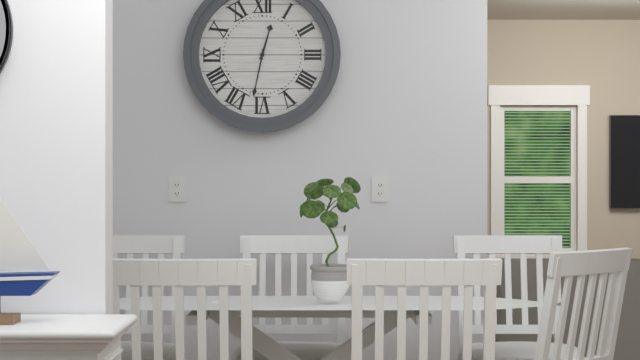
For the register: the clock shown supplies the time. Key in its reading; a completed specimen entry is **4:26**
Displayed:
**12:32**
